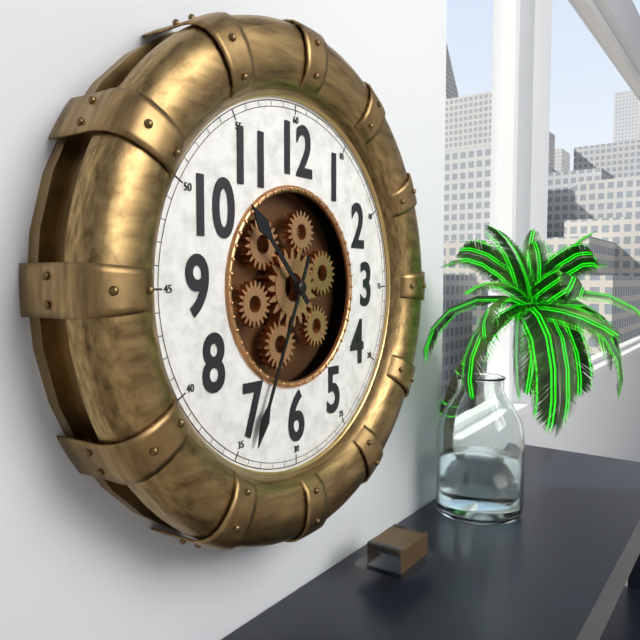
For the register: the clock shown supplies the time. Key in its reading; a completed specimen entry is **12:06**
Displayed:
**10:34**
